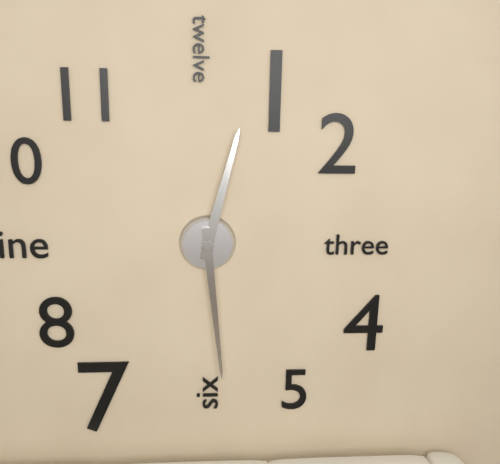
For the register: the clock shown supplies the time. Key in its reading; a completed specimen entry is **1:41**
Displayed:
**12:29**
